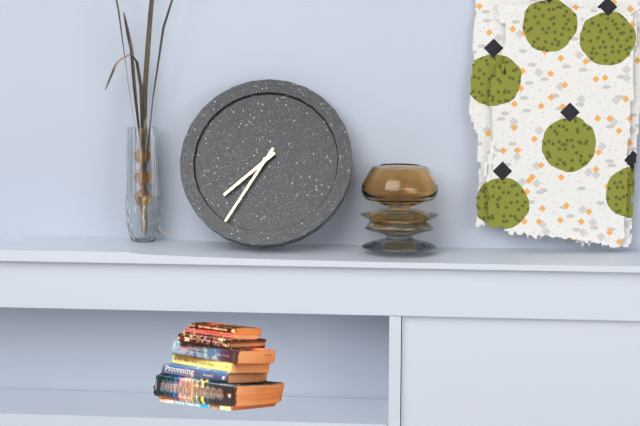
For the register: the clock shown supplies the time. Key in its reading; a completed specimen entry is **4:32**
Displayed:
**7:35**
